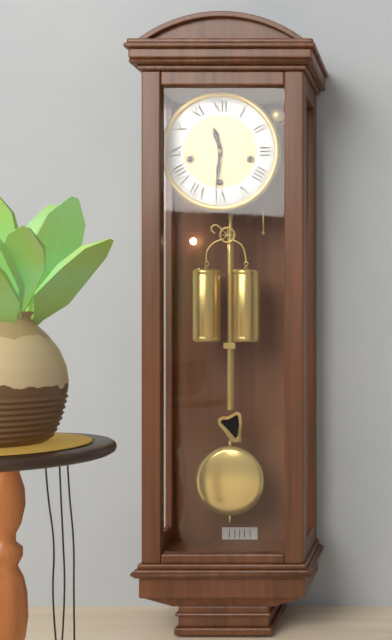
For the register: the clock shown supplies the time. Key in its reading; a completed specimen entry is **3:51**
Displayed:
**11:31**
